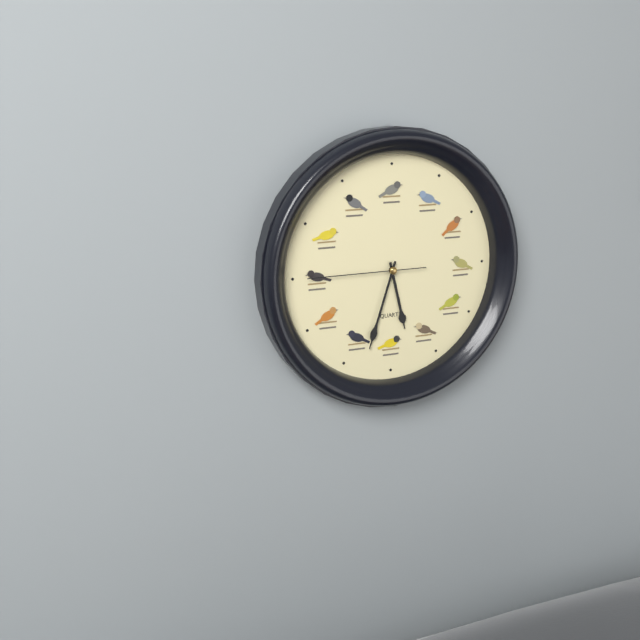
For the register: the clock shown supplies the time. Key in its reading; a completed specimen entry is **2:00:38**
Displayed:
**5:33:45**
